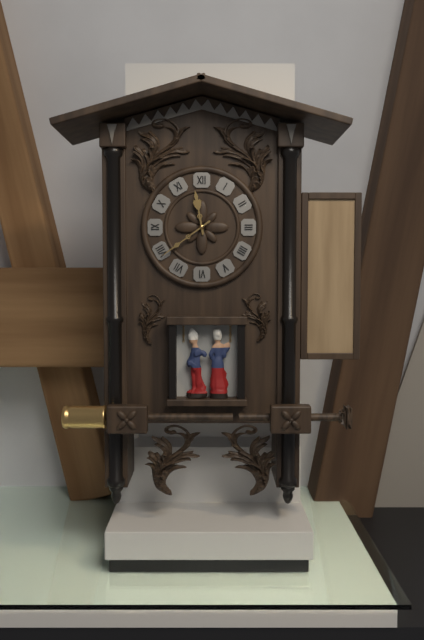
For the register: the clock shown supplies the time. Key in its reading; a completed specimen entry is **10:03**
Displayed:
**11:39**
